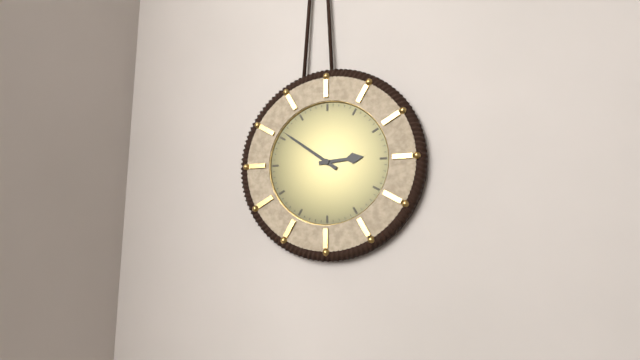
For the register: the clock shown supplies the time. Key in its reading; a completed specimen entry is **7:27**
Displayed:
**2:51**
